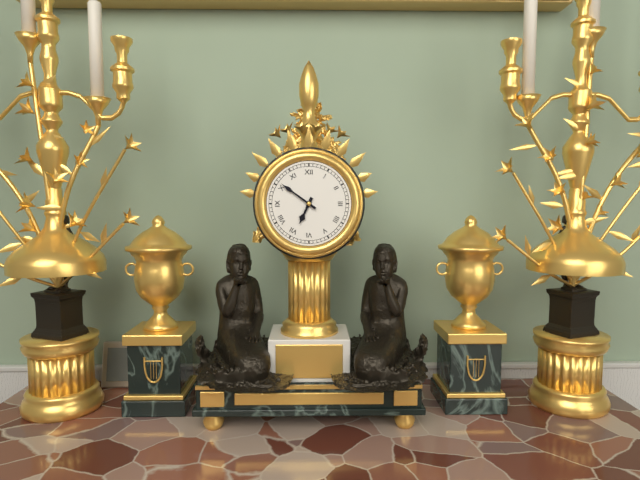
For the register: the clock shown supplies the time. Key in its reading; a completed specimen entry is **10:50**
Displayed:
**6:51**
